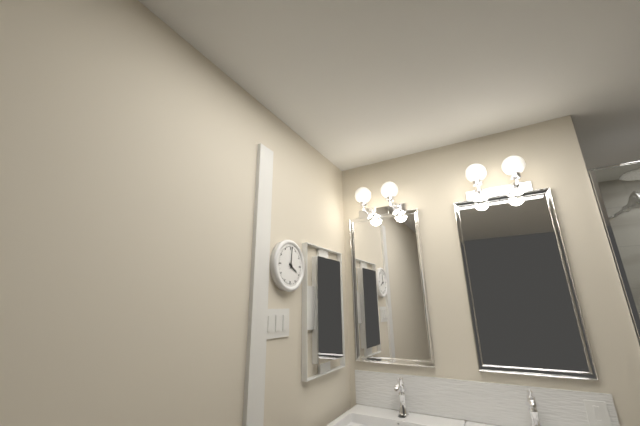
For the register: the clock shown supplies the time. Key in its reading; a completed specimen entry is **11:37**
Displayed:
**4:01**
